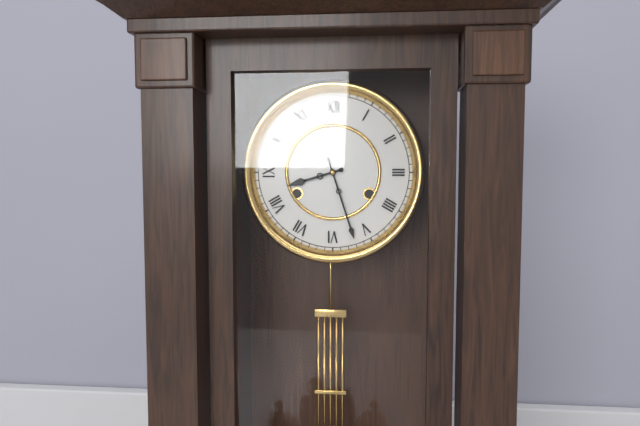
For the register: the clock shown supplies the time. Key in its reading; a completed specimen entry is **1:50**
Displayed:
**8:27**
